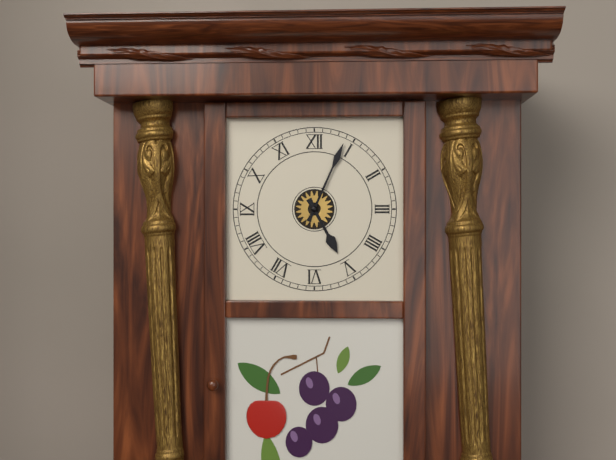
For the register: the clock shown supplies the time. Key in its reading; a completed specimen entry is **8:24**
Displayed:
**5:04**
